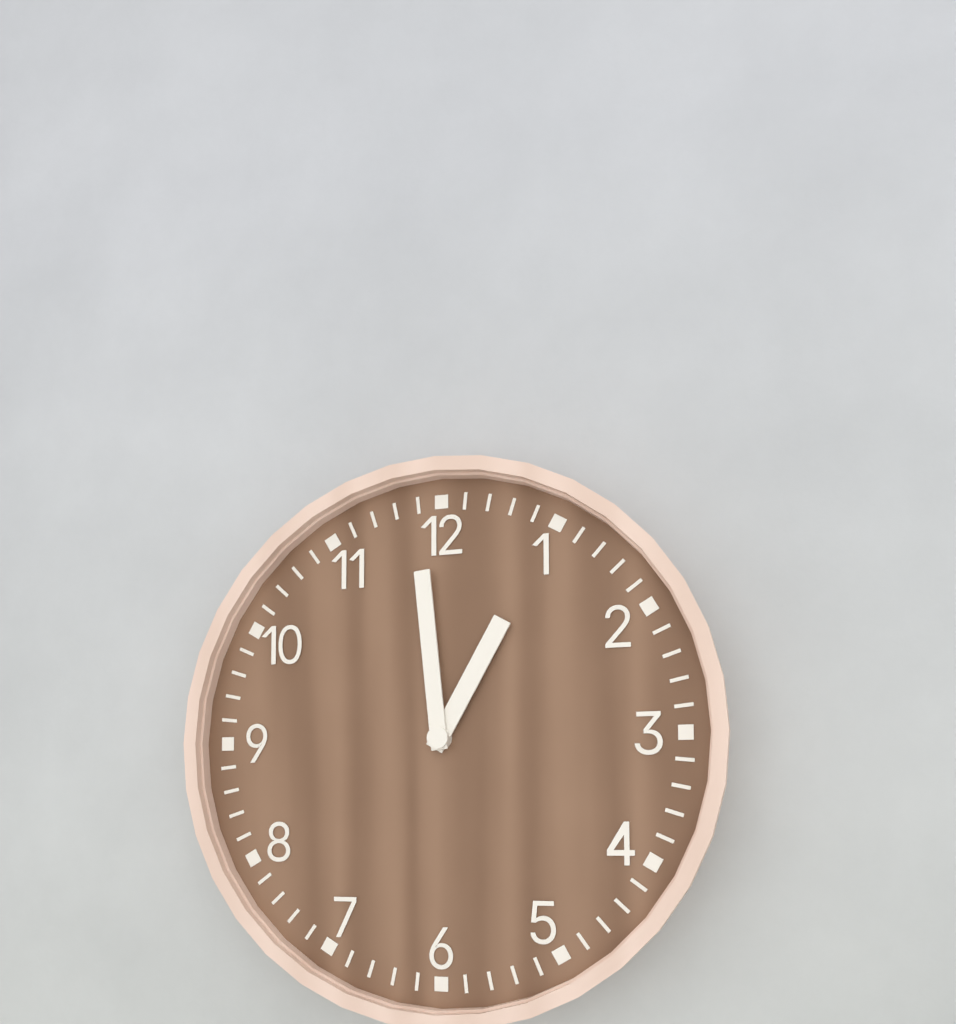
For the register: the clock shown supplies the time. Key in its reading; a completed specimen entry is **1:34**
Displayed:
**12:59**
